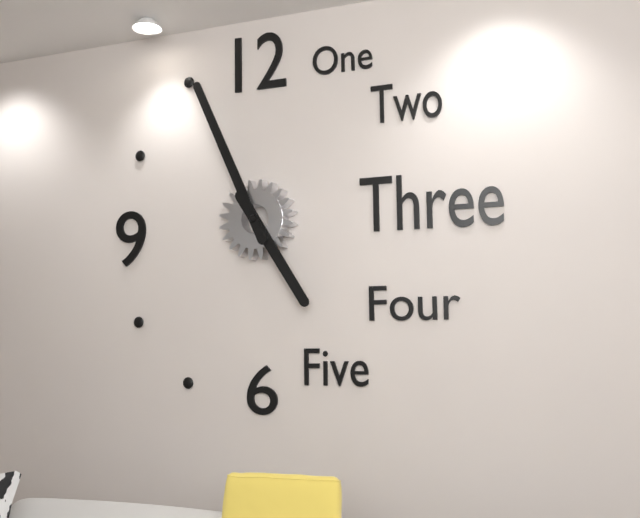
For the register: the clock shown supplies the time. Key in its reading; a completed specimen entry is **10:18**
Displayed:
**4:56**
